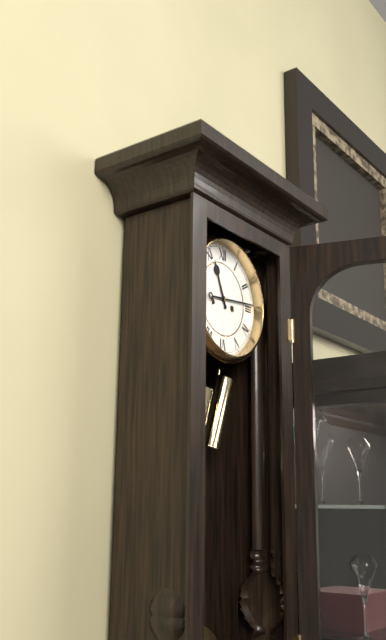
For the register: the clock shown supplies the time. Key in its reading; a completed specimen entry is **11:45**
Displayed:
**11:14**
